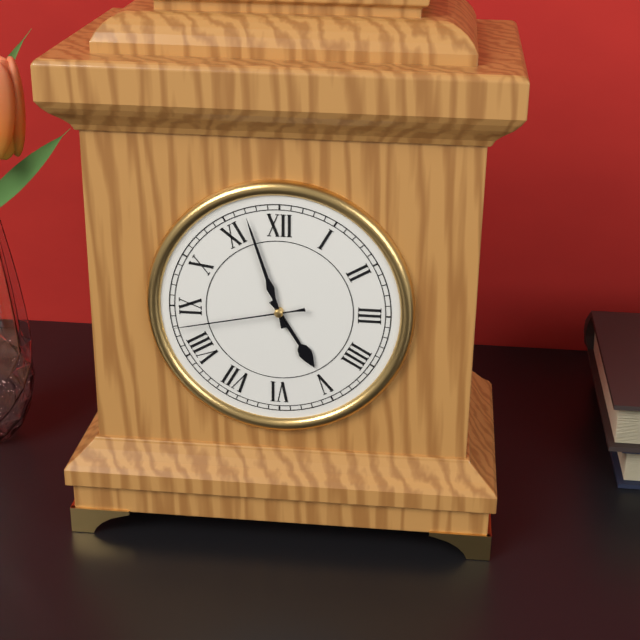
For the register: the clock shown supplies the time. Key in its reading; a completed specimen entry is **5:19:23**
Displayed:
**4:57:43**
